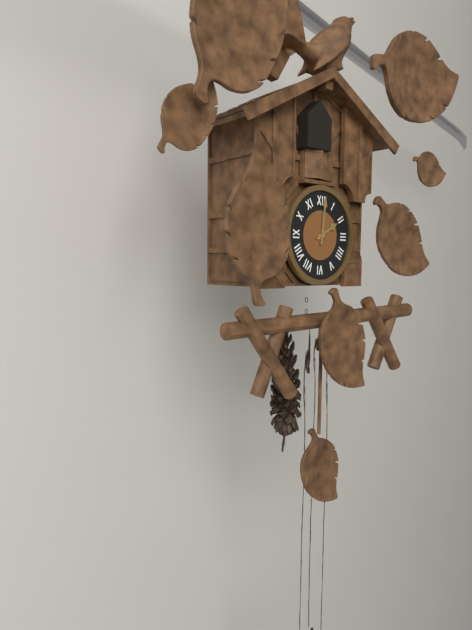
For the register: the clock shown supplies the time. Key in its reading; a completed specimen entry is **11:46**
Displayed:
**2:01**
